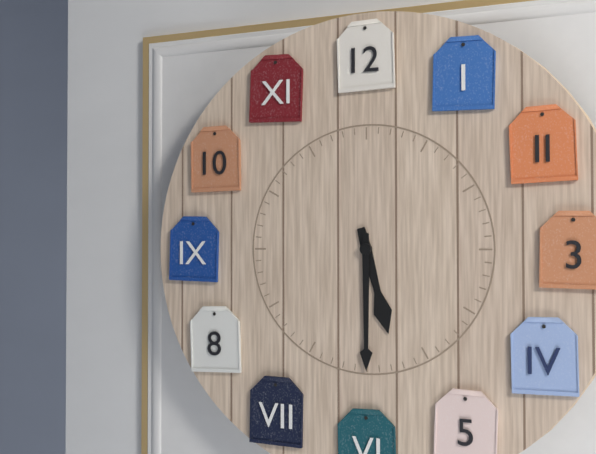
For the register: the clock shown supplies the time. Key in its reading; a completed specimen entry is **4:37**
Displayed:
**5:30**
